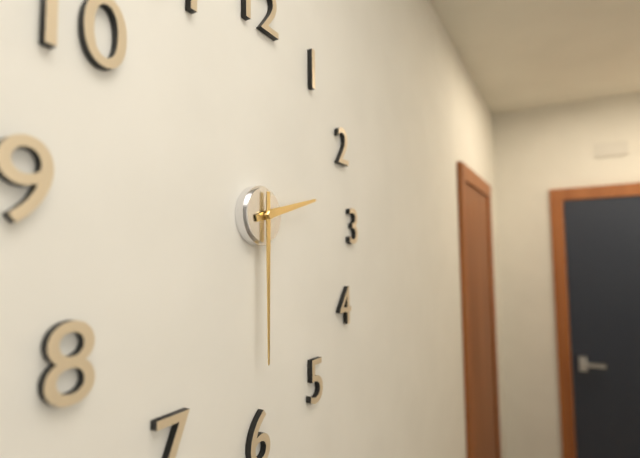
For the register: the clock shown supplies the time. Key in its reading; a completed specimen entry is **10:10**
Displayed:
**2:30**
